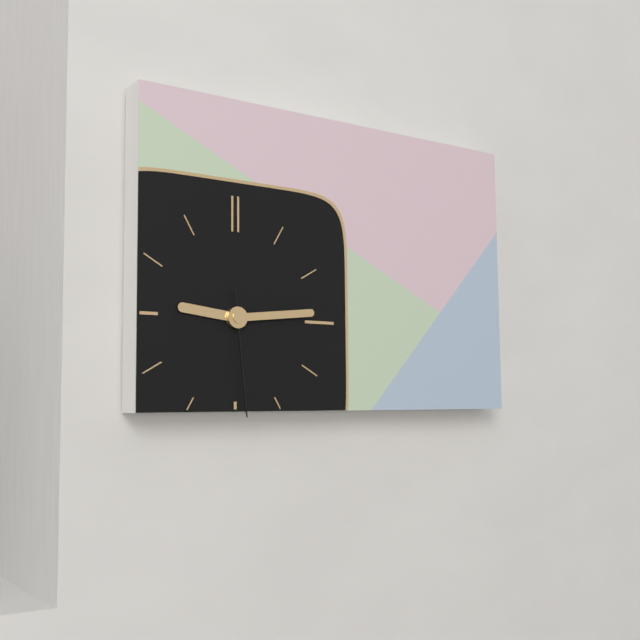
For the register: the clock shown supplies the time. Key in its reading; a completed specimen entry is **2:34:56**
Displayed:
**9:14:29**
